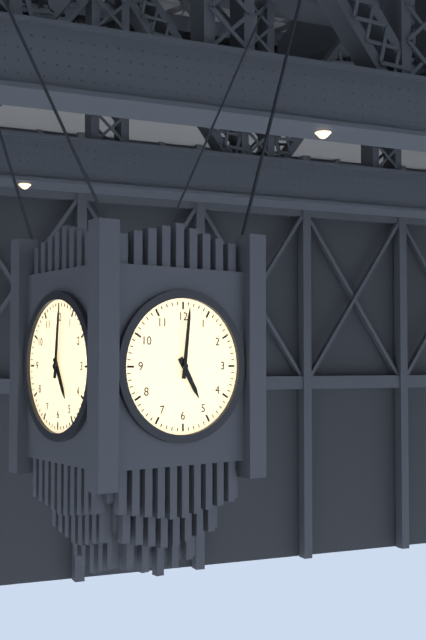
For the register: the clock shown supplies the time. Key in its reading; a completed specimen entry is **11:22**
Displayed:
**5:01**
